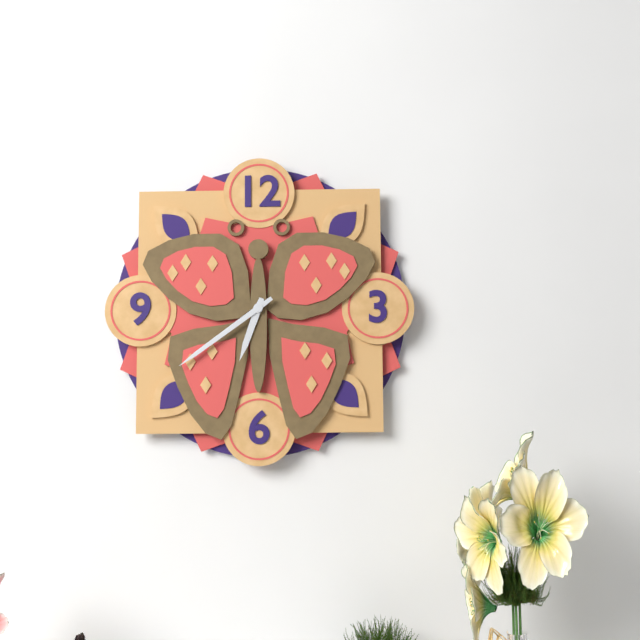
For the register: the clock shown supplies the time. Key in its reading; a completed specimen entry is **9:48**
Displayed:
**6:39**
